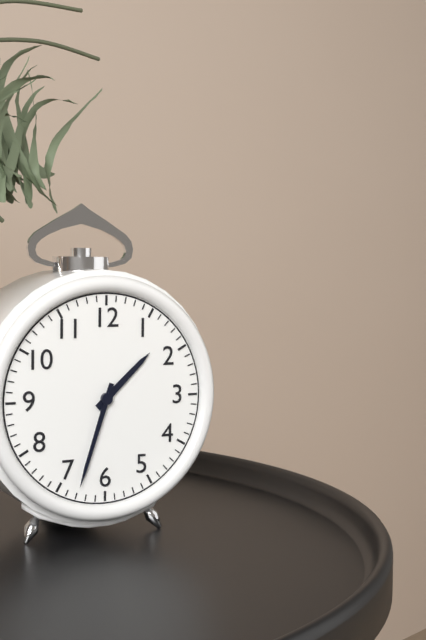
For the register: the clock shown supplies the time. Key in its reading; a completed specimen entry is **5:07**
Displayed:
**1:33**
